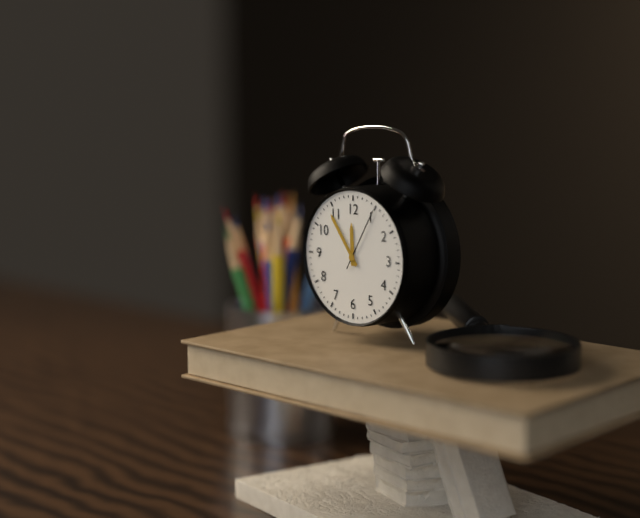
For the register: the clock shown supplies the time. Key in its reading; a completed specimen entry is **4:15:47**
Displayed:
**11:54:05**
